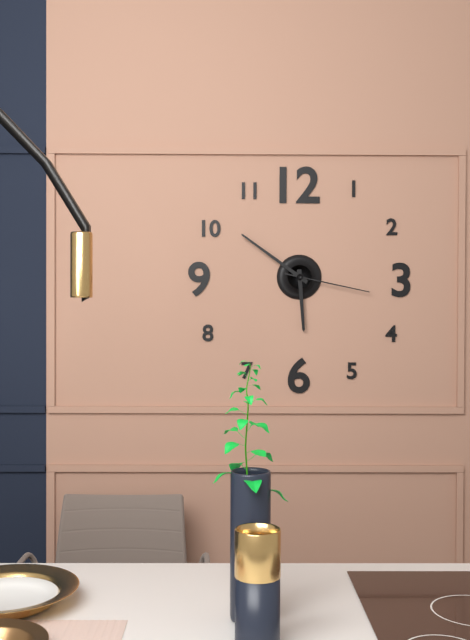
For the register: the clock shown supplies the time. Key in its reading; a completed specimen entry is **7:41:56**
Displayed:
**5:51:17**
